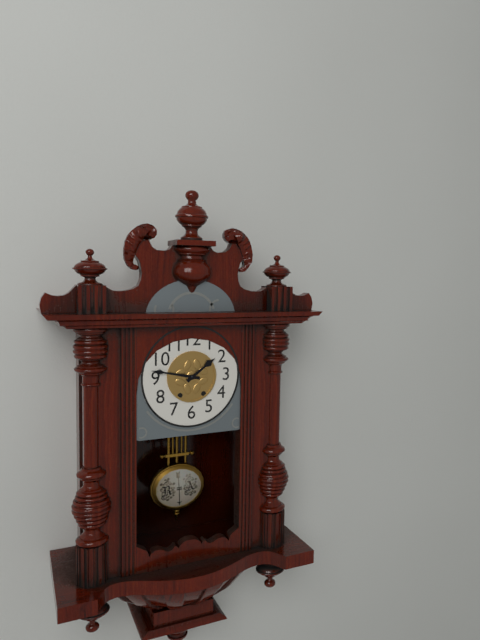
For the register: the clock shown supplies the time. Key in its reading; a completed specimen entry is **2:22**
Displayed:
**1:47**
